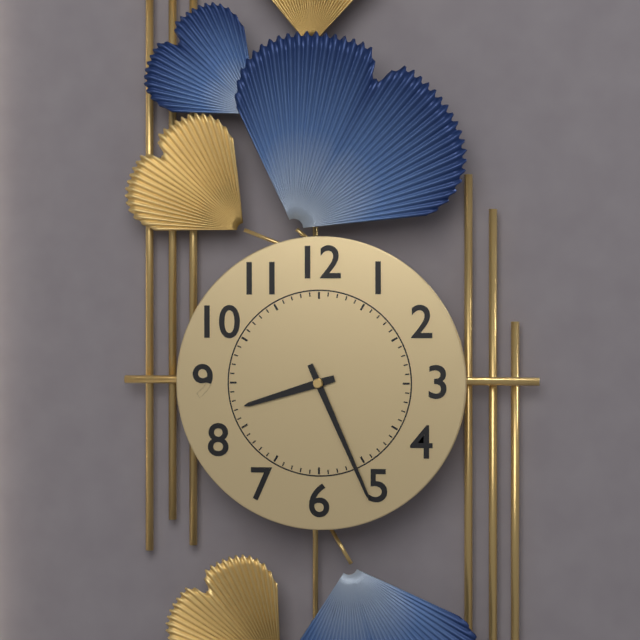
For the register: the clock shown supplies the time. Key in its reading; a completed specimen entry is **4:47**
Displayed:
**8:26**
